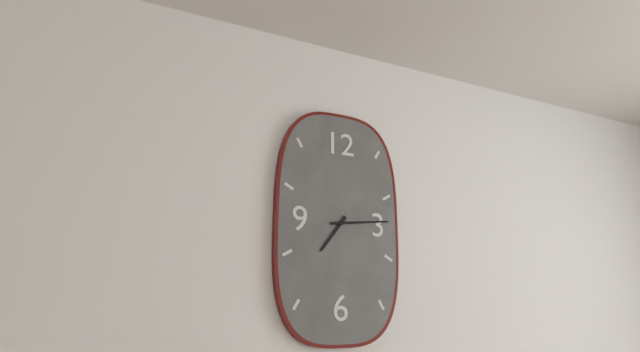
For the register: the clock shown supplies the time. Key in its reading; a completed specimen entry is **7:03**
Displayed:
**7:14**
